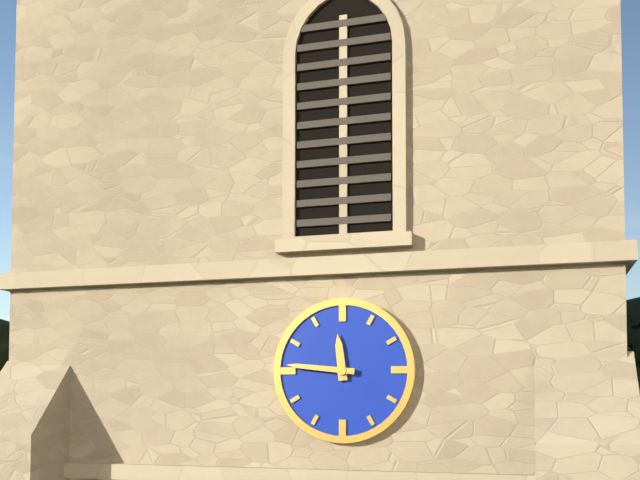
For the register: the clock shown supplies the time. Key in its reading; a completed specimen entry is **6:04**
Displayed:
**11:46**
